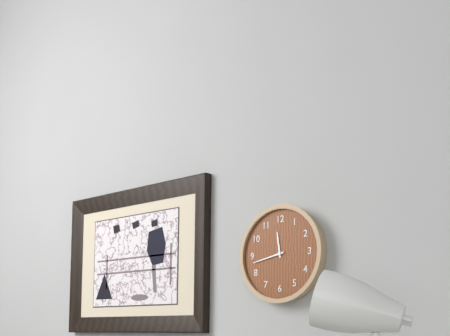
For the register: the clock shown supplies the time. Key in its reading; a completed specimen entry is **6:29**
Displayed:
**11:43**
